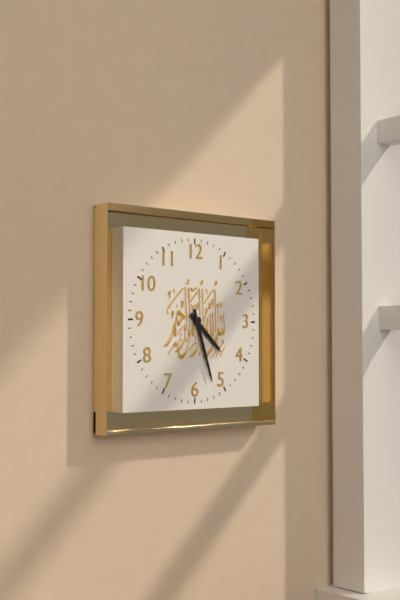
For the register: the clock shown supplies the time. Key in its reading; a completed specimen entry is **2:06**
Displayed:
**4:27**
